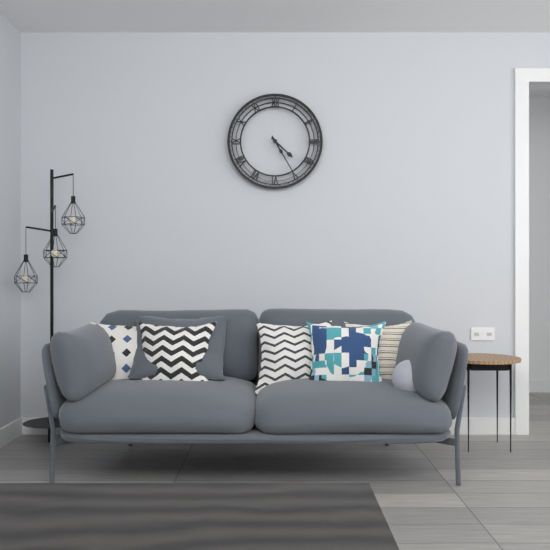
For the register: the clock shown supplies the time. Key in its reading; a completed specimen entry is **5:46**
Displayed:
**4:25**
